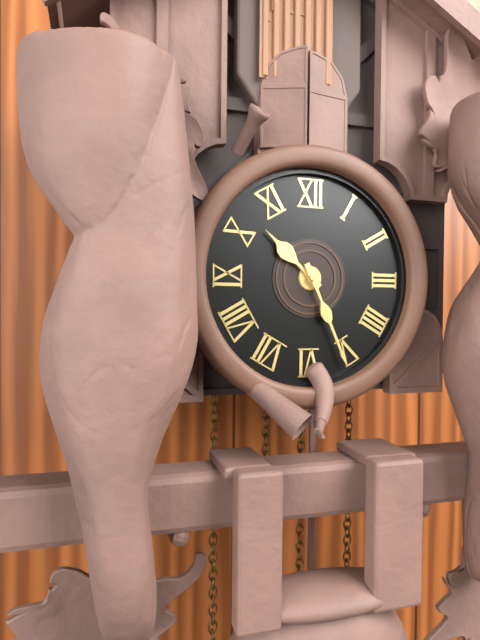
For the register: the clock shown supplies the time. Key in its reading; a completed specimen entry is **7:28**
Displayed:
**10:26**
